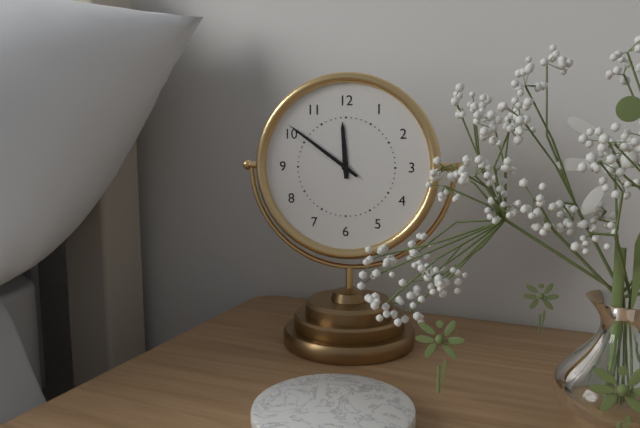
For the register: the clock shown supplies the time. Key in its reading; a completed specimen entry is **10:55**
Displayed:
**11:51**
